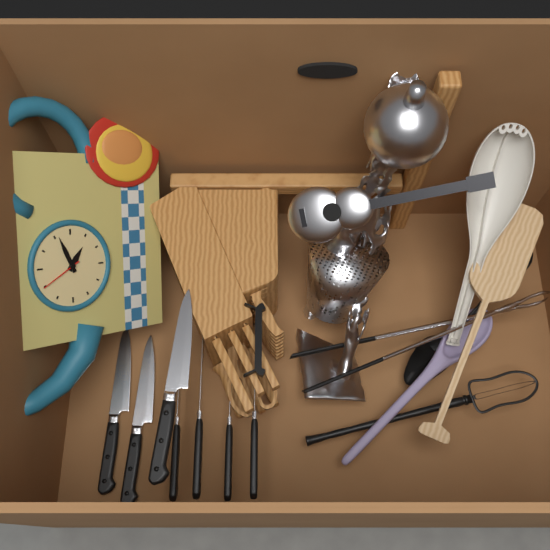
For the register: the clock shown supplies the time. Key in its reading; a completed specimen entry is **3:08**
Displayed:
**4:11**
